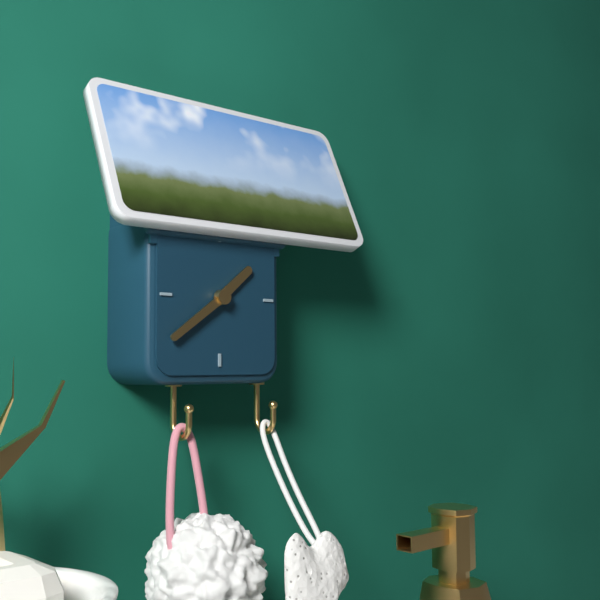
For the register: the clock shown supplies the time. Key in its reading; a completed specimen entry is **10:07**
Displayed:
**1:39**
